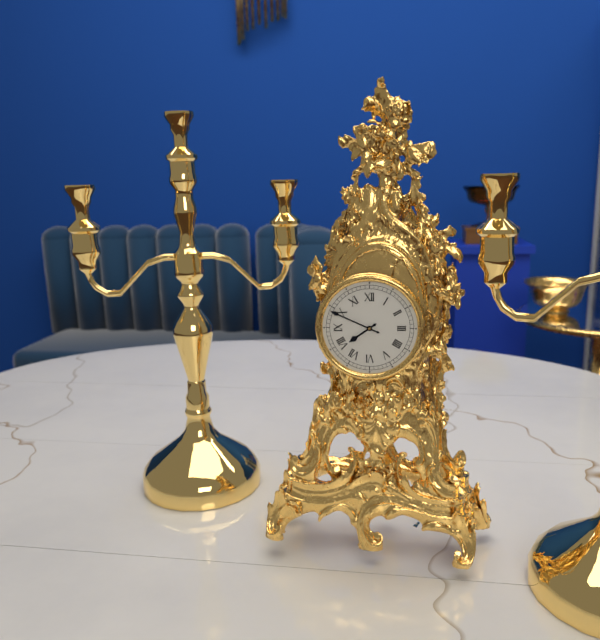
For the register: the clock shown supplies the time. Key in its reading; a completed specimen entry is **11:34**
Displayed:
**7:49**
